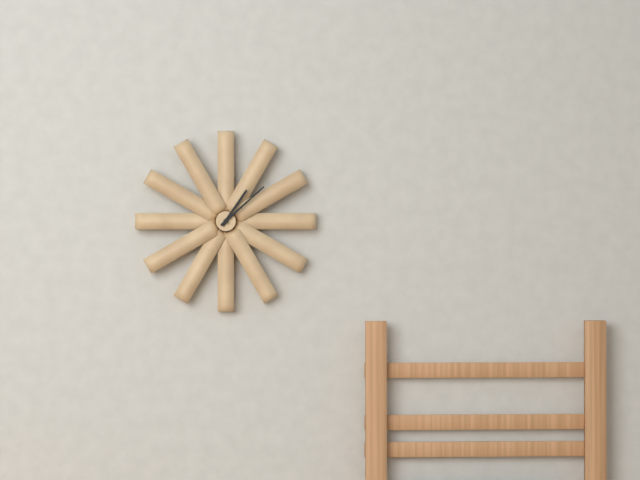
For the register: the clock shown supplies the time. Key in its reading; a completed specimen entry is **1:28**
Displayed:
**1:08**
